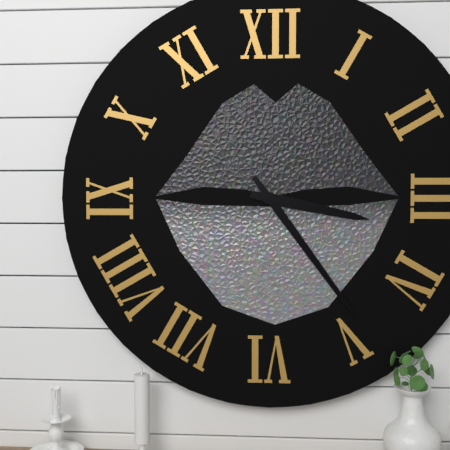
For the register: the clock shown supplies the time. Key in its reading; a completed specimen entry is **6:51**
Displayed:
**3:24**
